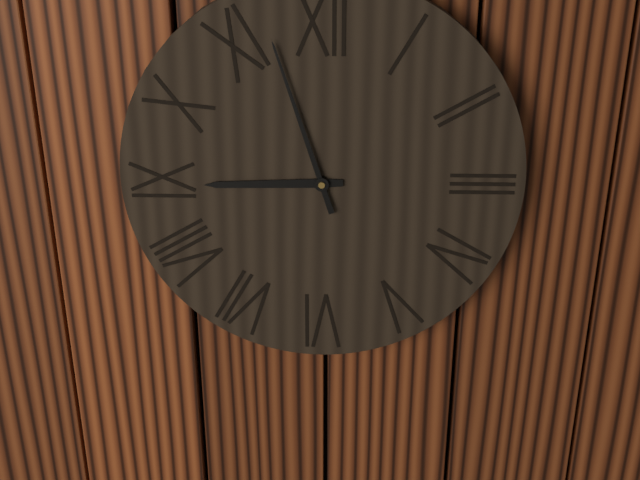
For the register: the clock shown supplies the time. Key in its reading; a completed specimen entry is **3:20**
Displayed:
**8:57**
